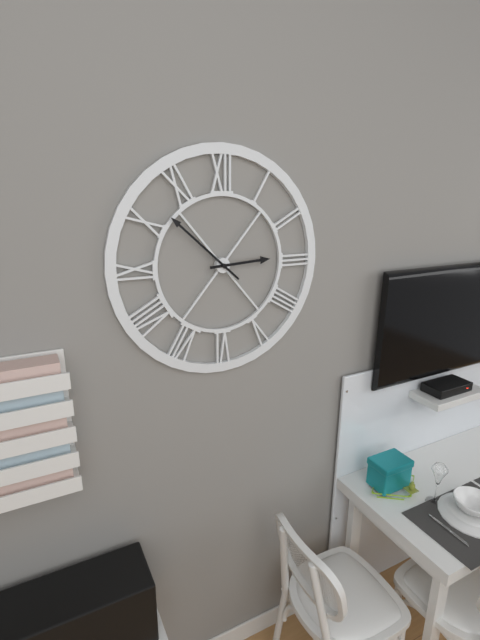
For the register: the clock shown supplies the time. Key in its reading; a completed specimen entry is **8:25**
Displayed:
**2:52**
